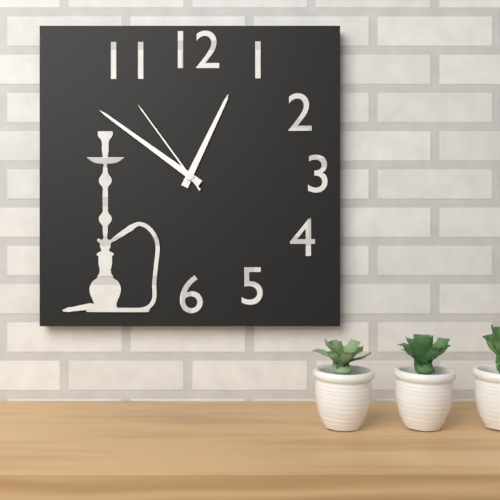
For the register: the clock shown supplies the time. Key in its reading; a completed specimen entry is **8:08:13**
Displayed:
**12:51:54**
